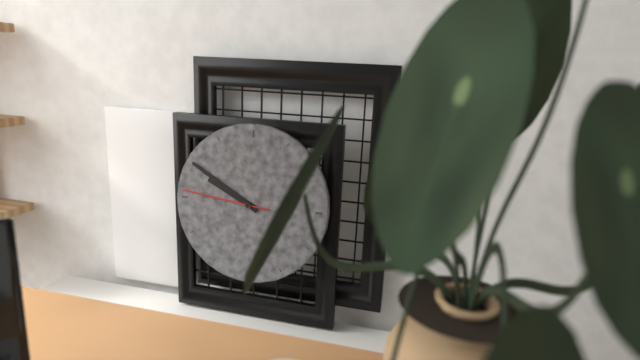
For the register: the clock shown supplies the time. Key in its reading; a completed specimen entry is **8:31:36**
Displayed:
**9:50:46**
